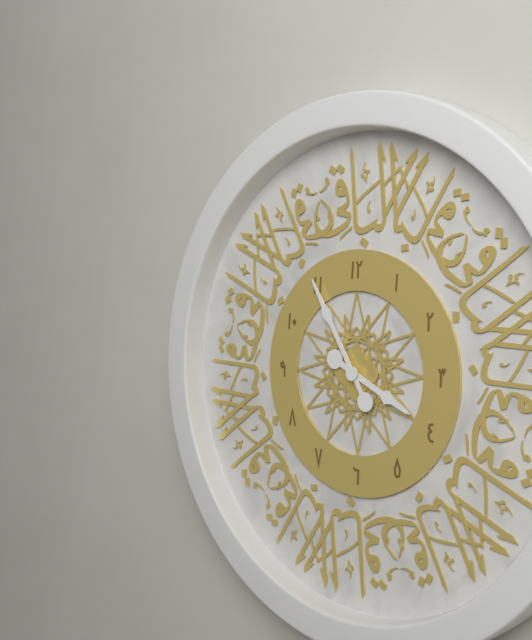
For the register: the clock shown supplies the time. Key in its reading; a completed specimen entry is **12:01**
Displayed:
**3:55**
